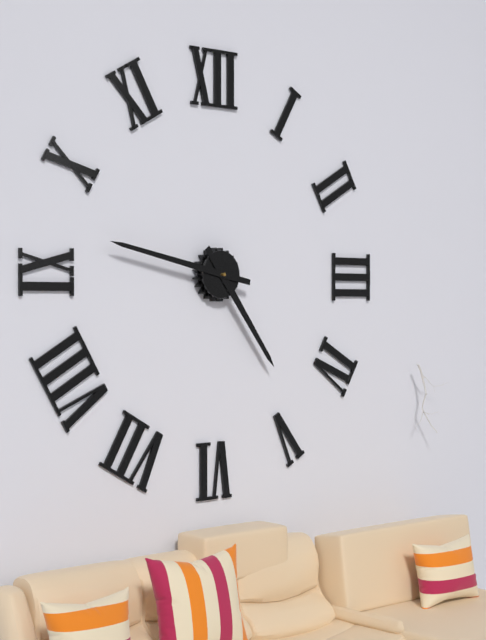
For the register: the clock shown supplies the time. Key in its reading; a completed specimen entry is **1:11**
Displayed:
**4:47**
